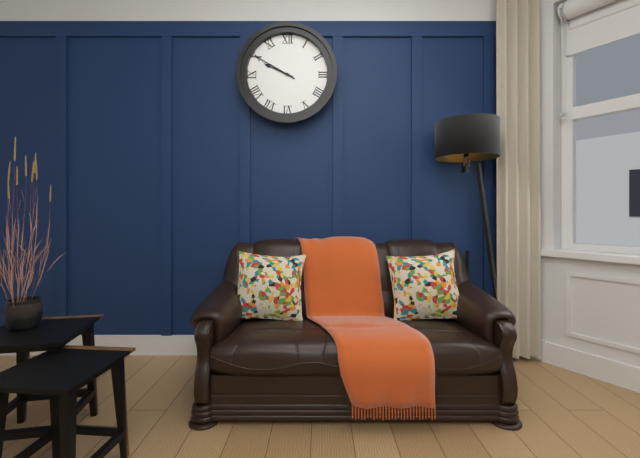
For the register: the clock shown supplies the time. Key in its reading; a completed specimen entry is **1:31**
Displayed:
**9:50**
